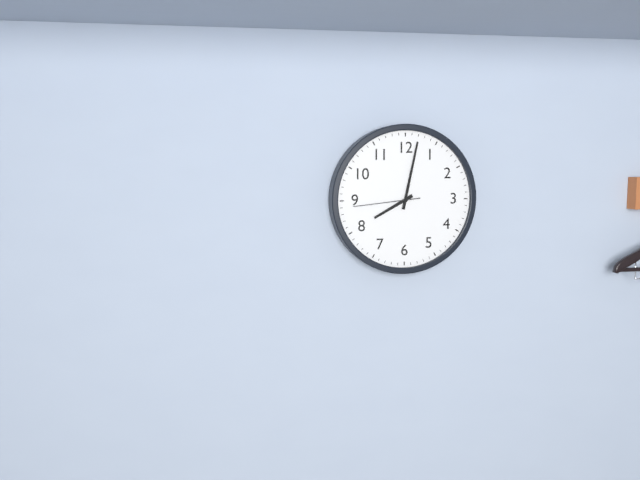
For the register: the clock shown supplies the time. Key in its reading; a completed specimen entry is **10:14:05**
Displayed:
**8:02:44**
